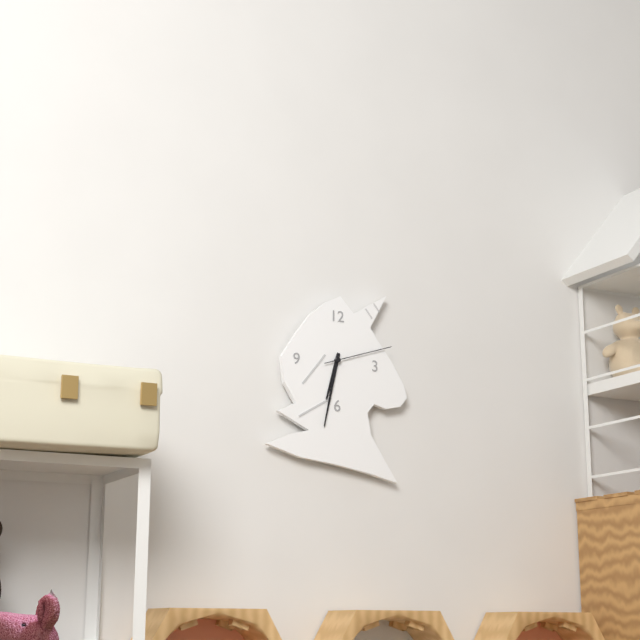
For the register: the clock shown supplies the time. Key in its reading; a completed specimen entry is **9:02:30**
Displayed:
**6:32:12**
